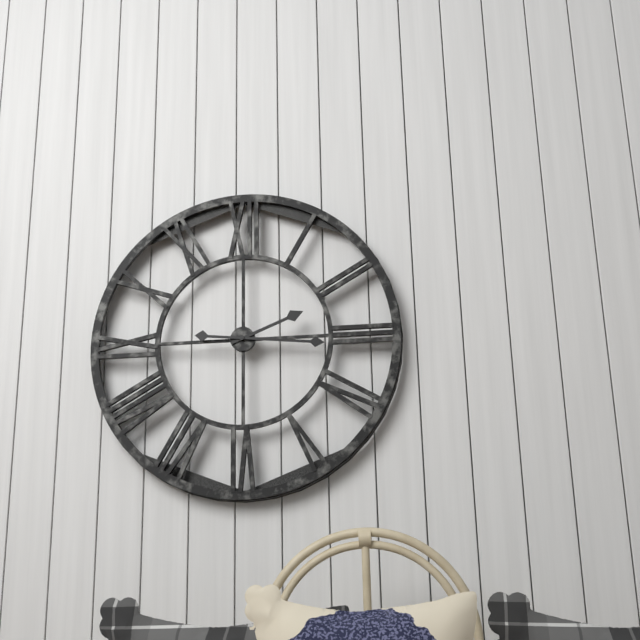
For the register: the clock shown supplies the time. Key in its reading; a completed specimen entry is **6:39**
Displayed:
**2:16**
